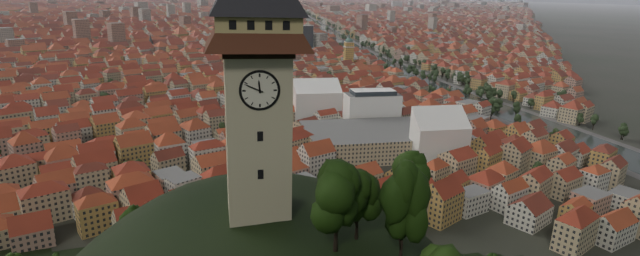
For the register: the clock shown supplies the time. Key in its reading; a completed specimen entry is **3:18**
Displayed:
**11:49**
